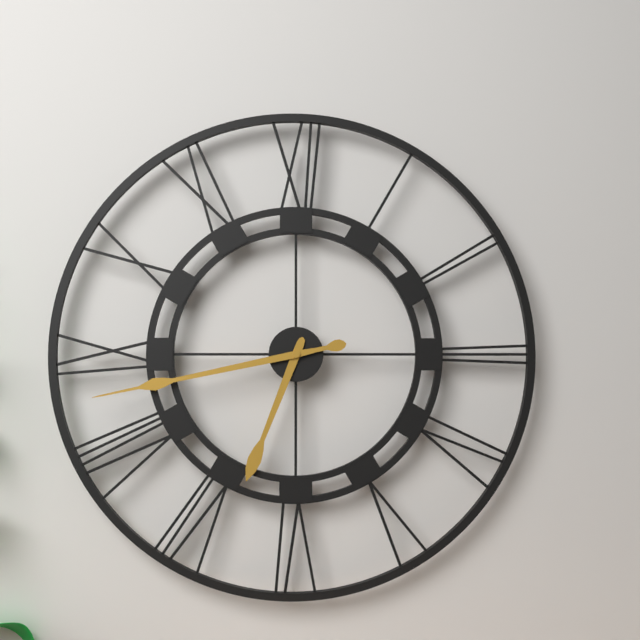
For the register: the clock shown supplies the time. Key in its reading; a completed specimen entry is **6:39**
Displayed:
**6:43**
